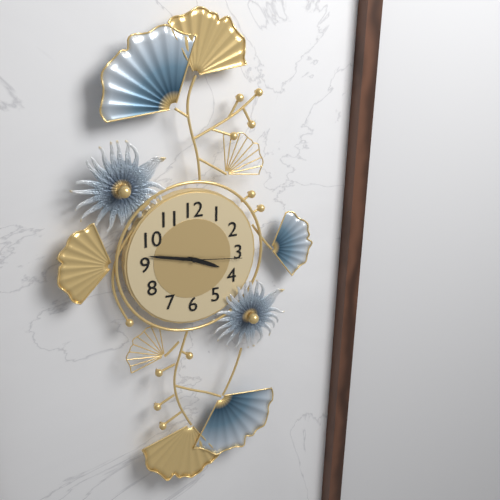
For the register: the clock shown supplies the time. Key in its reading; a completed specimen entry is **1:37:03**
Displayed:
**3:47:16**
